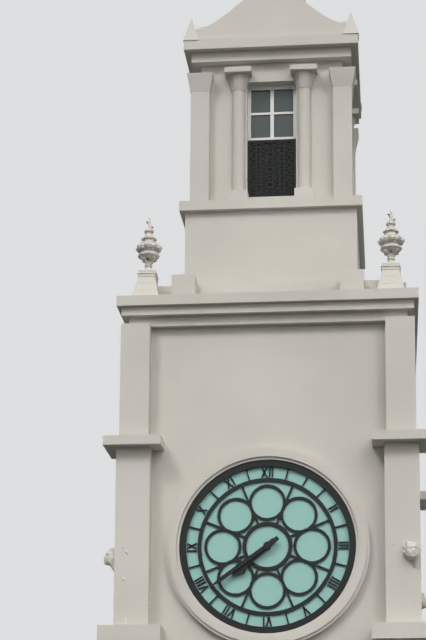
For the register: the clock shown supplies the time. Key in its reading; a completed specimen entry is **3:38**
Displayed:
**7:39**
